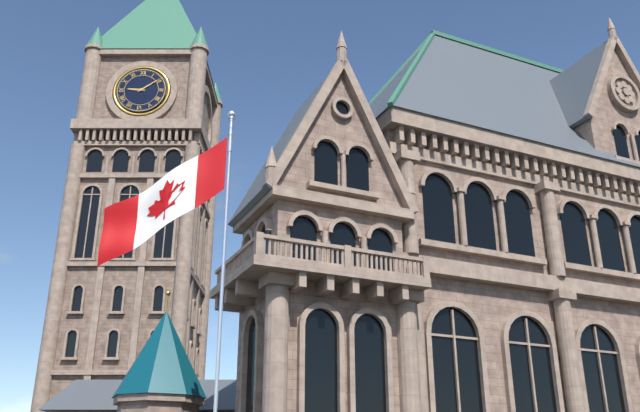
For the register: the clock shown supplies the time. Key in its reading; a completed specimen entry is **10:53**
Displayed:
**9:09**
